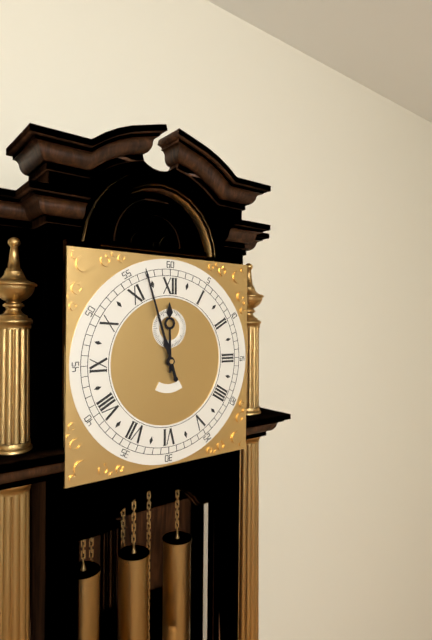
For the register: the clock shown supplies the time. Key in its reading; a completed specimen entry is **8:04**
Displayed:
**11:57**
